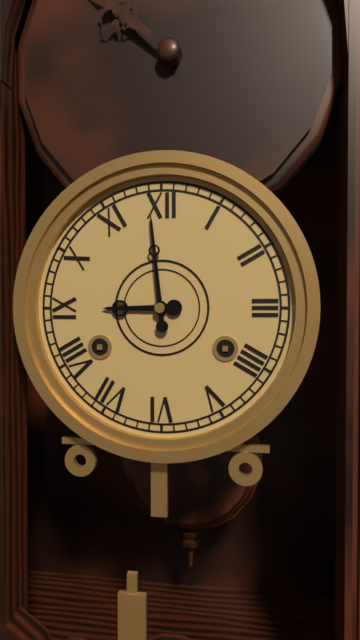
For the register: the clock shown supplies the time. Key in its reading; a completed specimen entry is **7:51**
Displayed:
**8:59**
